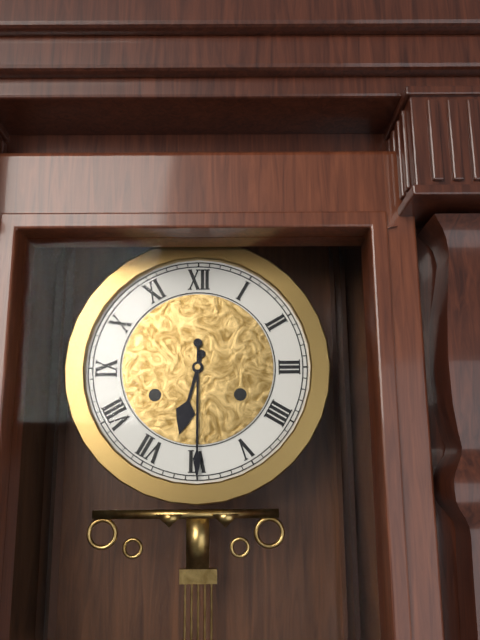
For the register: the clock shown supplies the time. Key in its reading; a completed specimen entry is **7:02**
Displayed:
**6:30**
